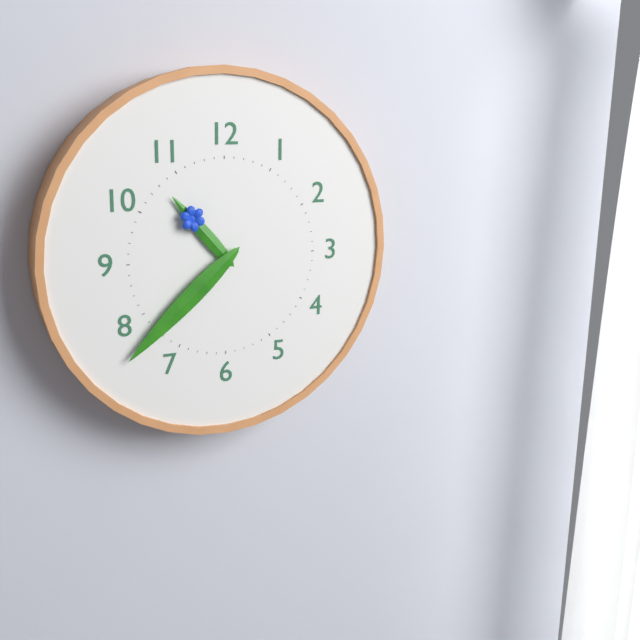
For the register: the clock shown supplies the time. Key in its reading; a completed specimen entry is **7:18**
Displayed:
**10:38**
